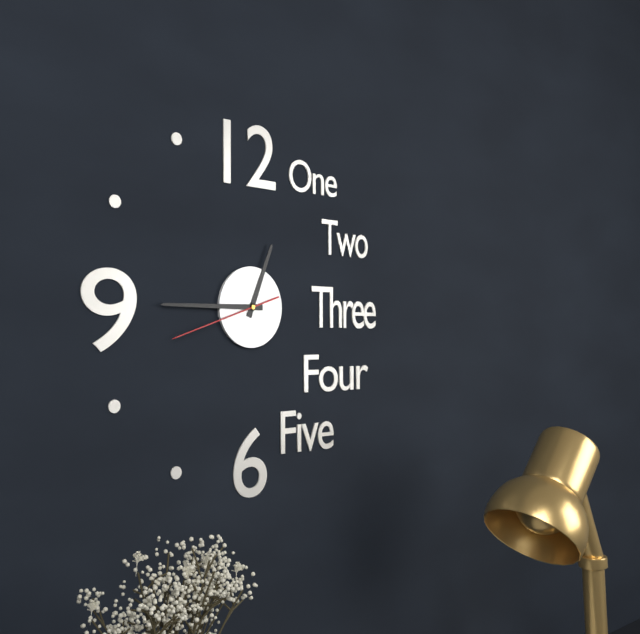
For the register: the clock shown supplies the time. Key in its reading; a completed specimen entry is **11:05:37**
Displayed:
**12:45:42**
